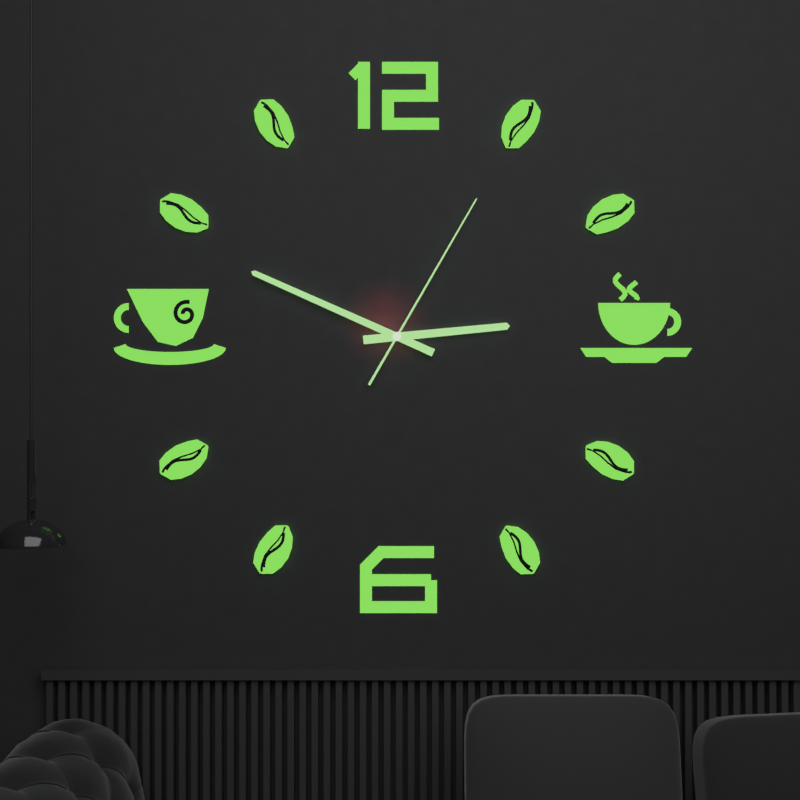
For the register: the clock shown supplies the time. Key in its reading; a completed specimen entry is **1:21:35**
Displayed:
**2:49:05**
